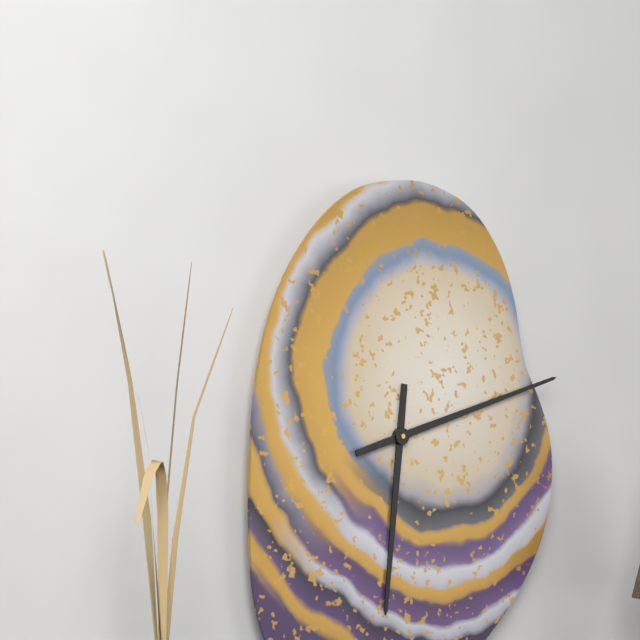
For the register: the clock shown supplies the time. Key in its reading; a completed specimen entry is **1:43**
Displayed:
**6:12**
